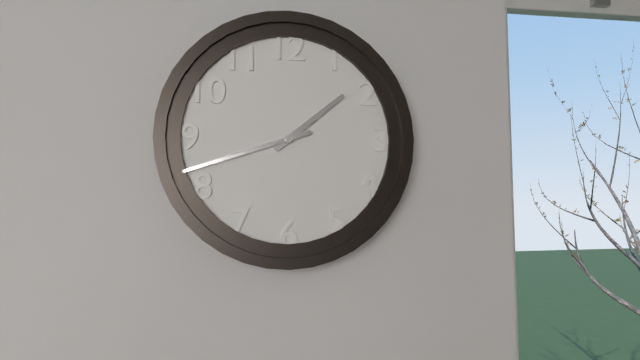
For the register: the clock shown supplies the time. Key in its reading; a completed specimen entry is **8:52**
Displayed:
**1:42**
